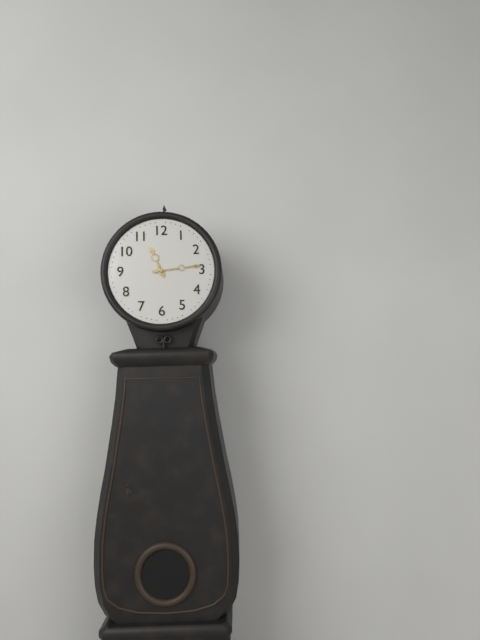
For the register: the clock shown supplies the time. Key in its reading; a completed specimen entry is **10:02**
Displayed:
**11:14**
